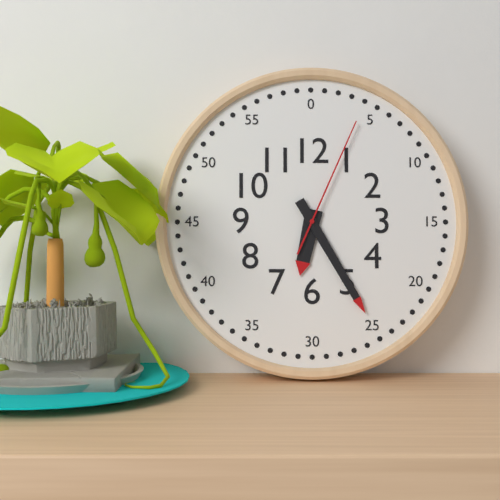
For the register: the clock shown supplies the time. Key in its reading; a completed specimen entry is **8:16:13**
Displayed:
**6:25:04**
